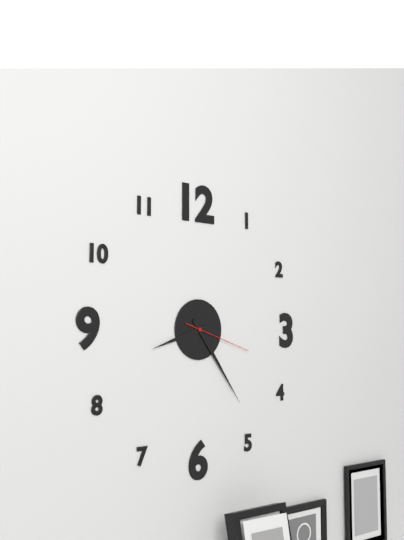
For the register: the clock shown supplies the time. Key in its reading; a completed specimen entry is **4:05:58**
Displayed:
**8:24:18**
